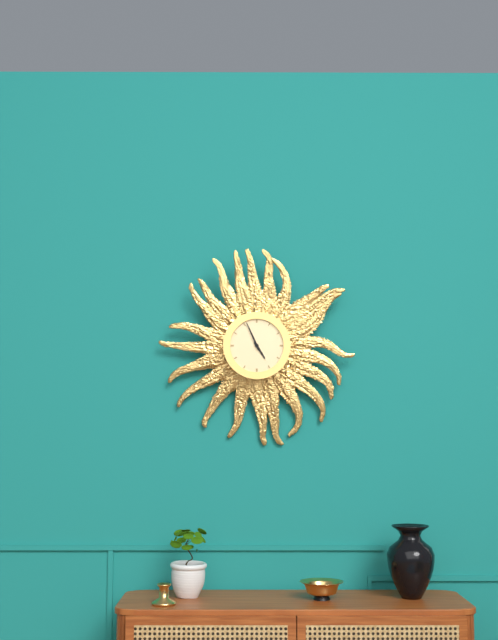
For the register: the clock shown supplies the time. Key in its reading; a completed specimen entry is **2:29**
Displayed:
**4:56**
